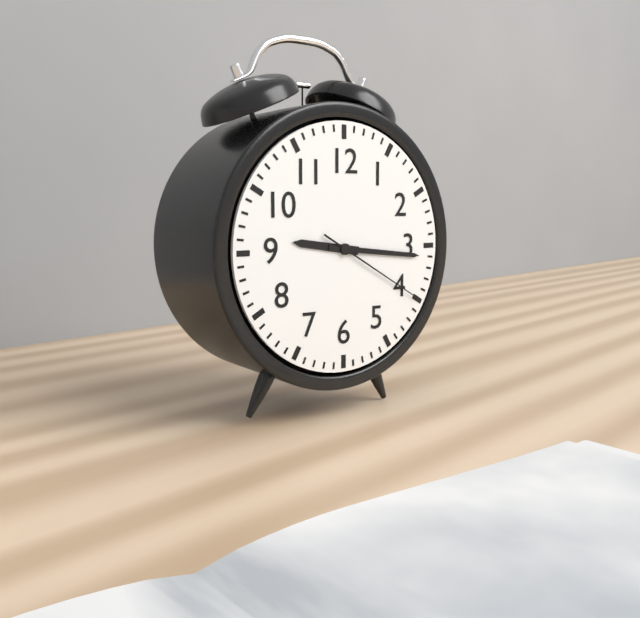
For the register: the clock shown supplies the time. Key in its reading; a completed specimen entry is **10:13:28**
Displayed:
**9:16:20**
